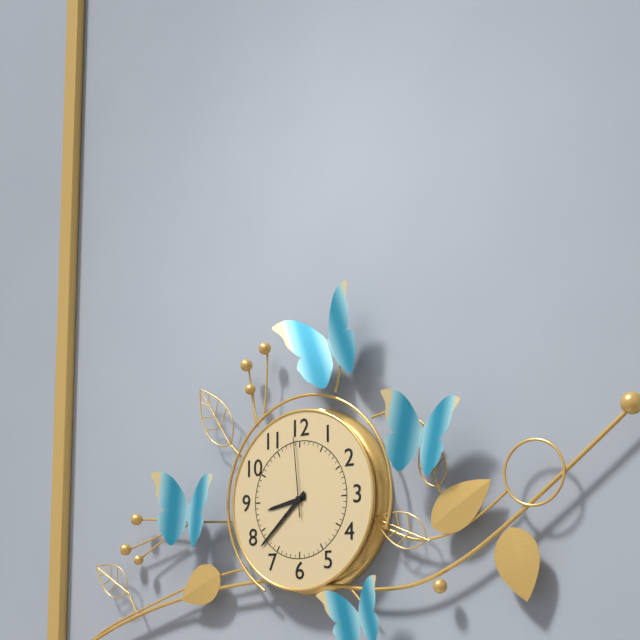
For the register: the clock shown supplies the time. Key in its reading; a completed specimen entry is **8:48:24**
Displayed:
**8:38:59**
